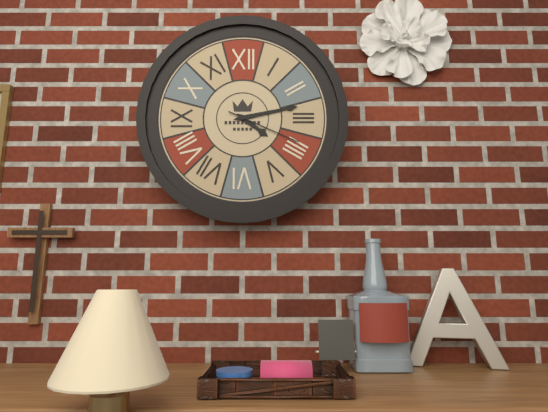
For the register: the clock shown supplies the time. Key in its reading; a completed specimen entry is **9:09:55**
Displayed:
**4:13:19**
